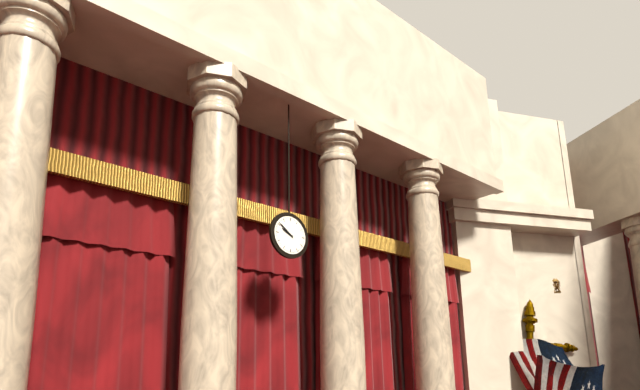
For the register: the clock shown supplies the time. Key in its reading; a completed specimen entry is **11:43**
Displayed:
**9:51**
